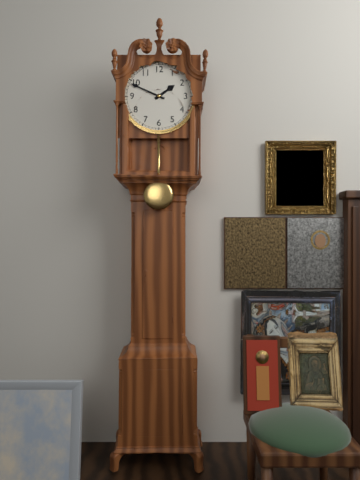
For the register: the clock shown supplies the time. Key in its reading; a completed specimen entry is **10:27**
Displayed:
**1:49**
